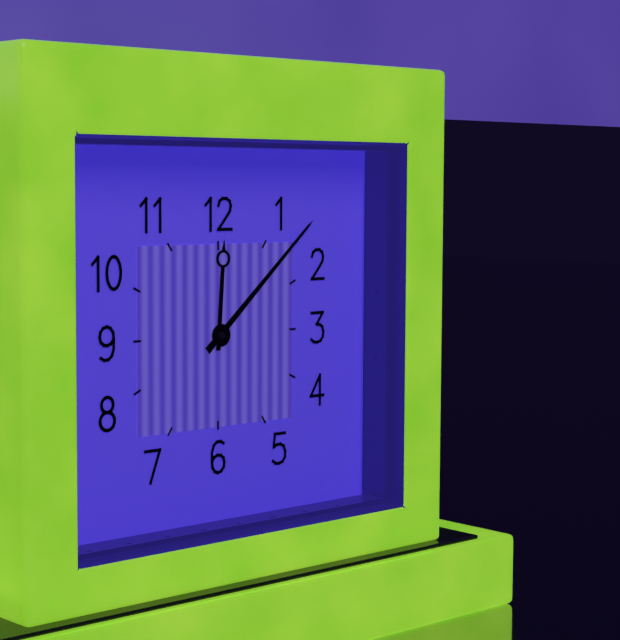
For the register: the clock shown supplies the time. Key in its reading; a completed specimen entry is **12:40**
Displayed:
**12:08**
